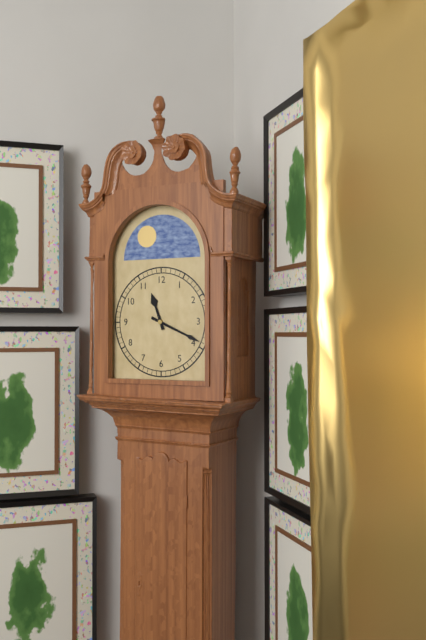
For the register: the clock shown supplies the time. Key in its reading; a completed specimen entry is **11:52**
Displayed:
**11:19**
